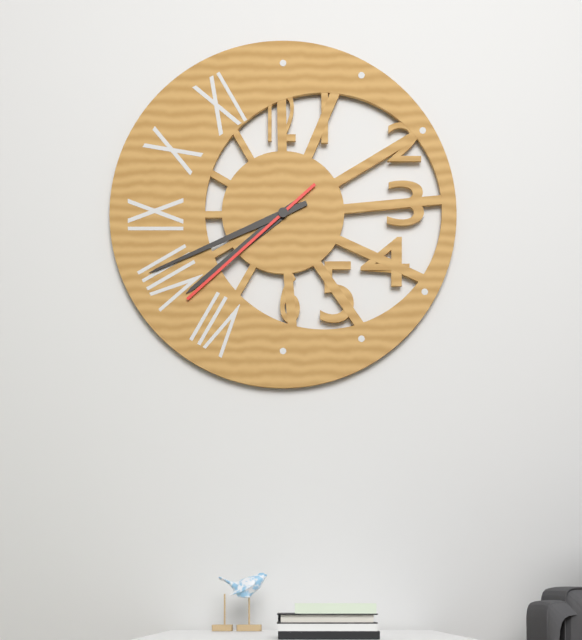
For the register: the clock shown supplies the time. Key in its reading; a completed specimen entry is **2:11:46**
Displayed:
**7:41:38**
